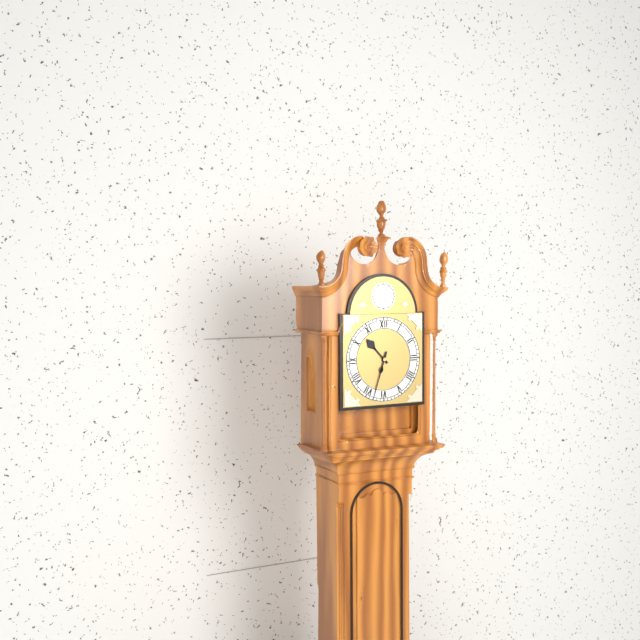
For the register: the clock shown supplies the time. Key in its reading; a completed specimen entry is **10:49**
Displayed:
**10:33**
